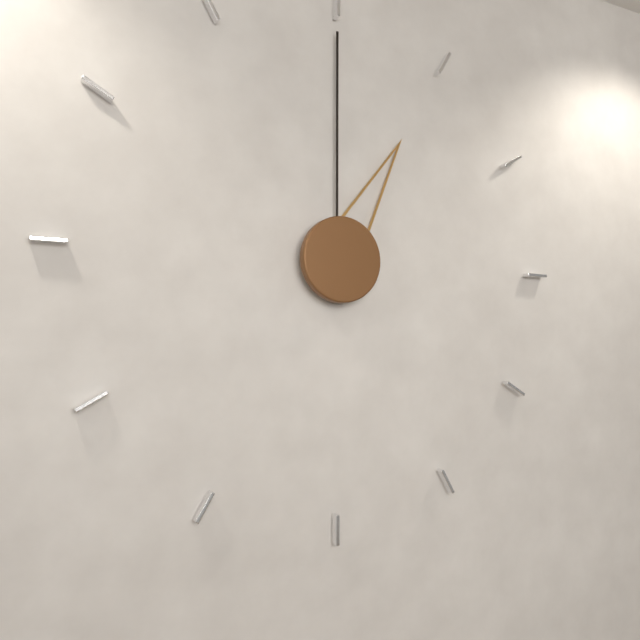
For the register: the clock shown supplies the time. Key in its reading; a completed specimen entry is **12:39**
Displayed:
**1:00**
